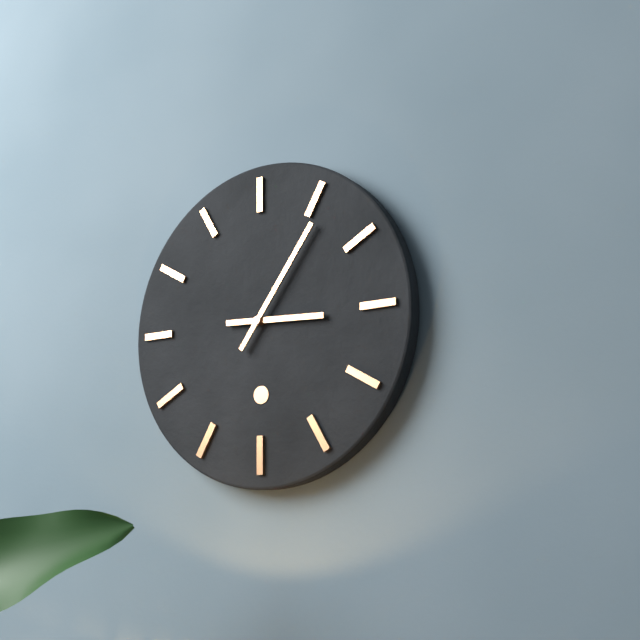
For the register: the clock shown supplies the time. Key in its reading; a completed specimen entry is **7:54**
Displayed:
**3:06**
